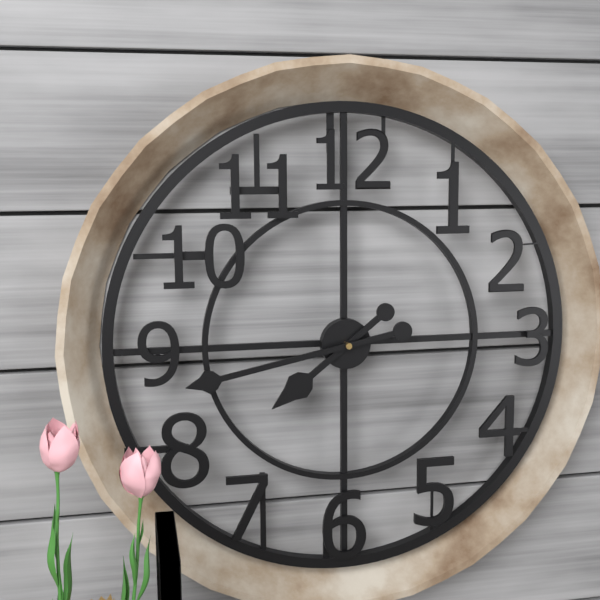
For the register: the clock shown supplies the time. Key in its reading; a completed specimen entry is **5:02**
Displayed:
**7:43**
